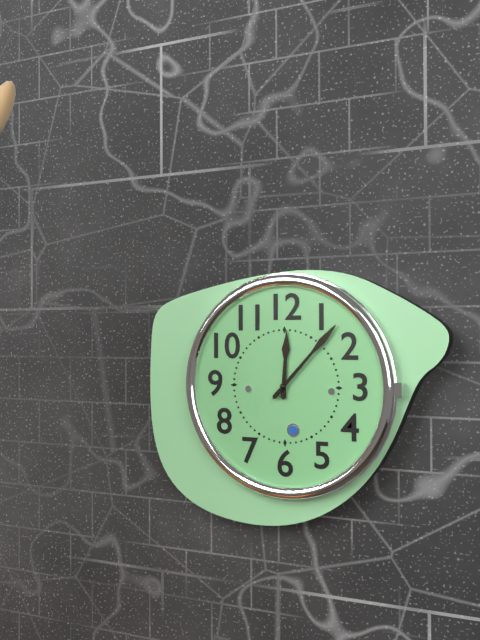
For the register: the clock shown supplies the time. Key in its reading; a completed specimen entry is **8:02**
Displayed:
**12:07**
